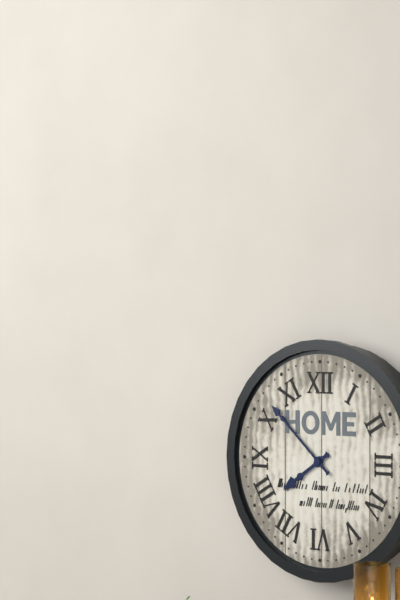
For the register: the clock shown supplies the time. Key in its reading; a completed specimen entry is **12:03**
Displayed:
**7:52**
